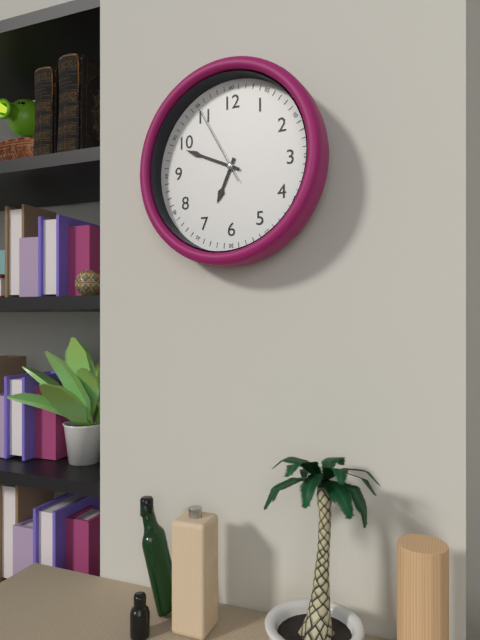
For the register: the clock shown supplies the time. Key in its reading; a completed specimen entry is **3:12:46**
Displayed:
**6:49:55**
